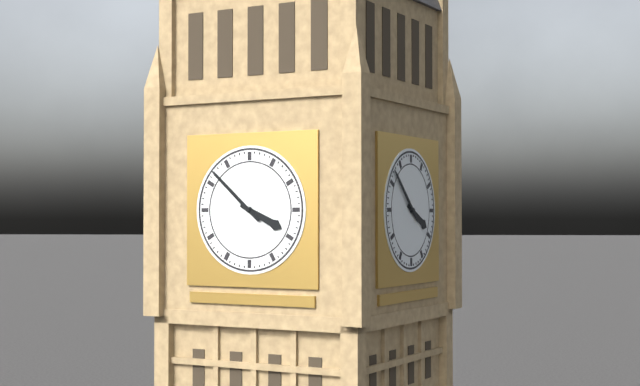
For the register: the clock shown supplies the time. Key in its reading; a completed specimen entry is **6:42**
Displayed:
**3:52**
